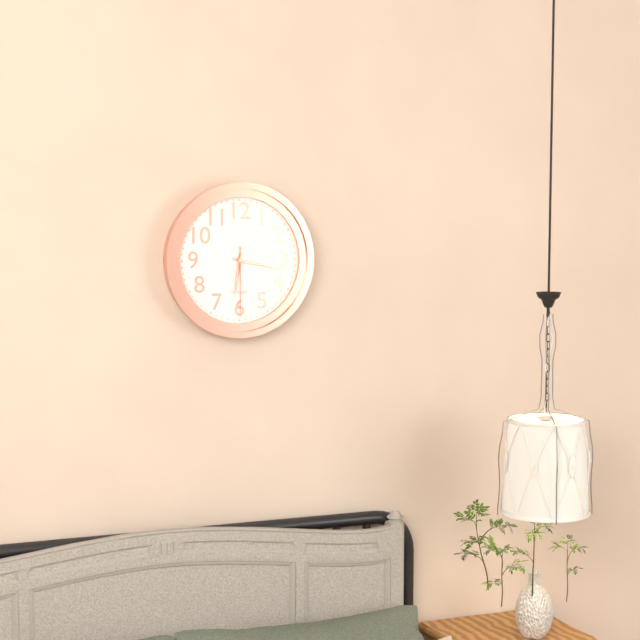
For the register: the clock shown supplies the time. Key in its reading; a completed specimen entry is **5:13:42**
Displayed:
**6:17:30**
